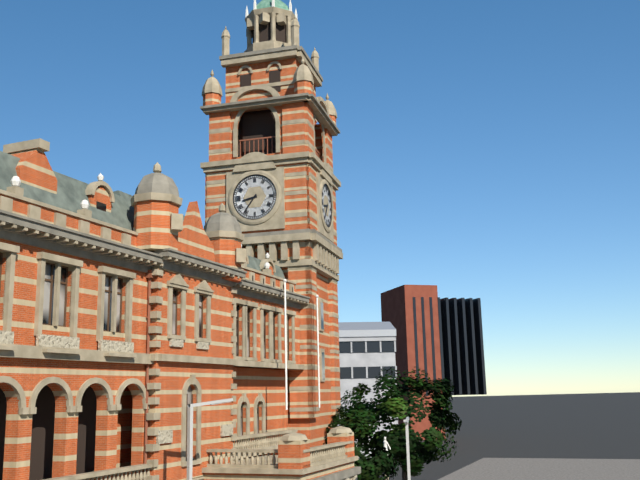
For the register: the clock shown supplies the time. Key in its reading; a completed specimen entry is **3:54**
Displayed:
**8:36**
